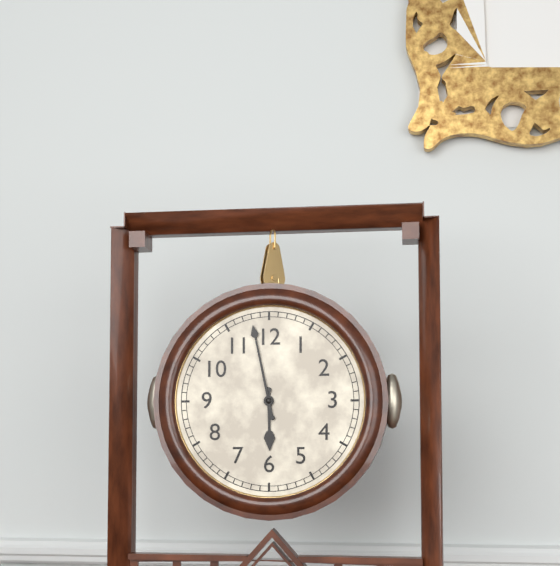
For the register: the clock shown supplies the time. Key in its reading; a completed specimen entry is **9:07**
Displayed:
**5:58**
